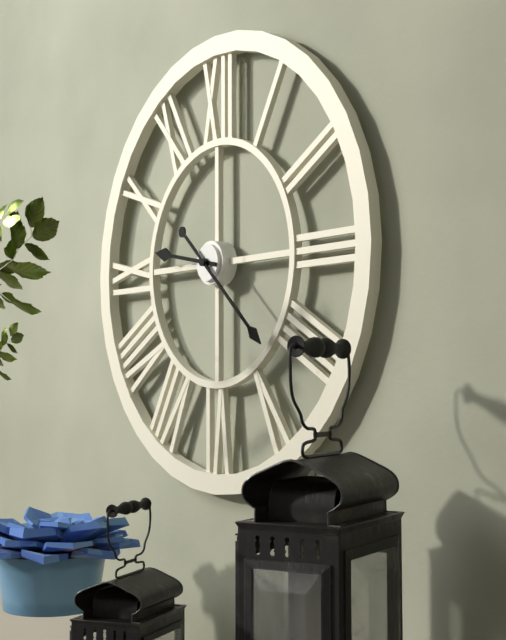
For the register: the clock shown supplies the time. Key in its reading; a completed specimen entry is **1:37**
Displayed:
**9:22**
